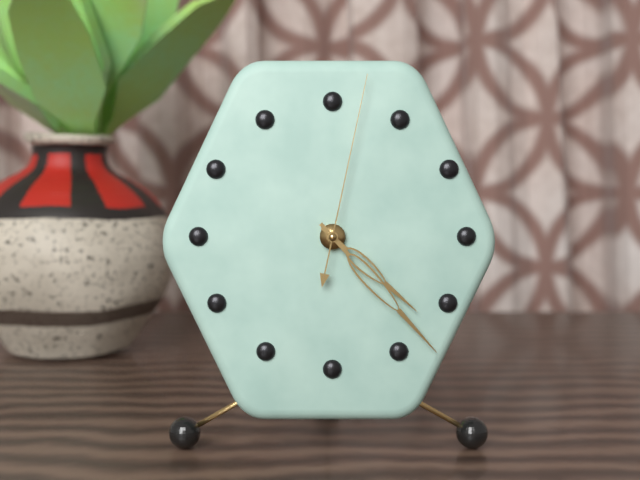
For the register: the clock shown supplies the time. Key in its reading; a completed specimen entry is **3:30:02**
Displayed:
**4:23:02**
